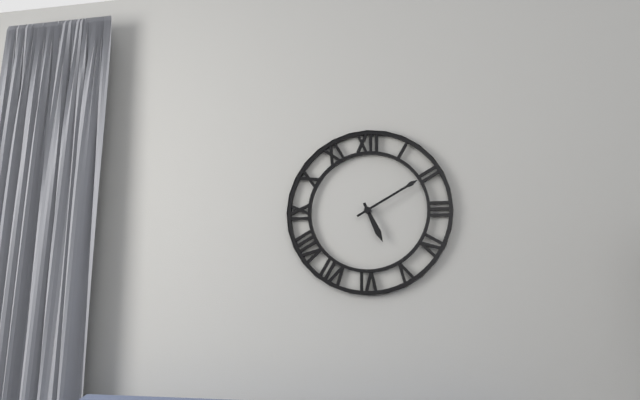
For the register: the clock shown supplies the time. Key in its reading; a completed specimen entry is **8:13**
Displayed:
**5:10**
